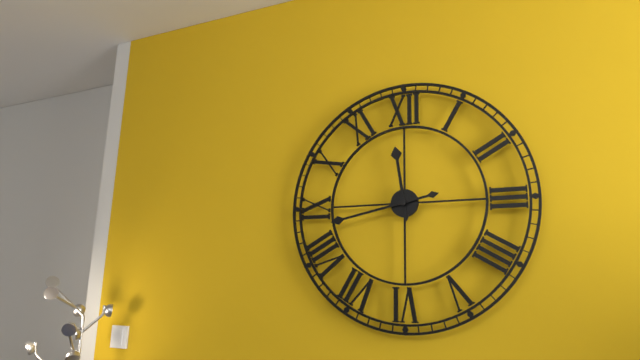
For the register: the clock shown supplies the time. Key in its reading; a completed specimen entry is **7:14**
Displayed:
**11:43**
